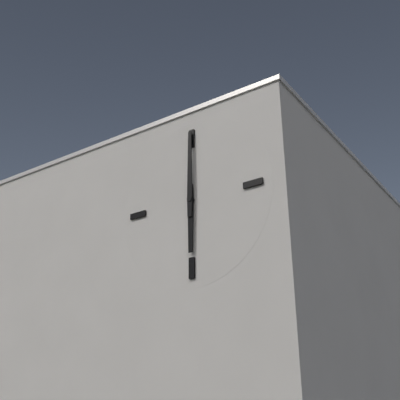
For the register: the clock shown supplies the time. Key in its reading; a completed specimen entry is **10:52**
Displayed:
**6:00**
